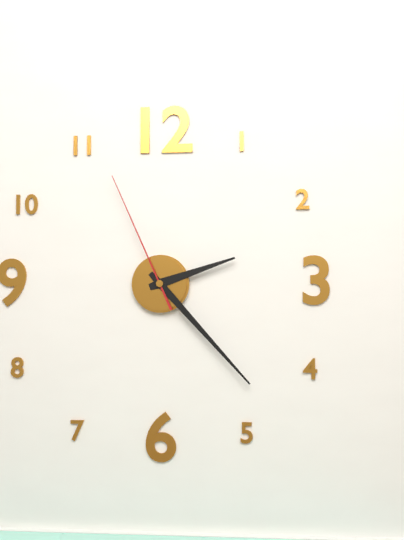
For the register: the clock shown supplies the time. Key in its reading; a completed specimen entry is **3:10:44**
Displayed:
**2:23:56**
